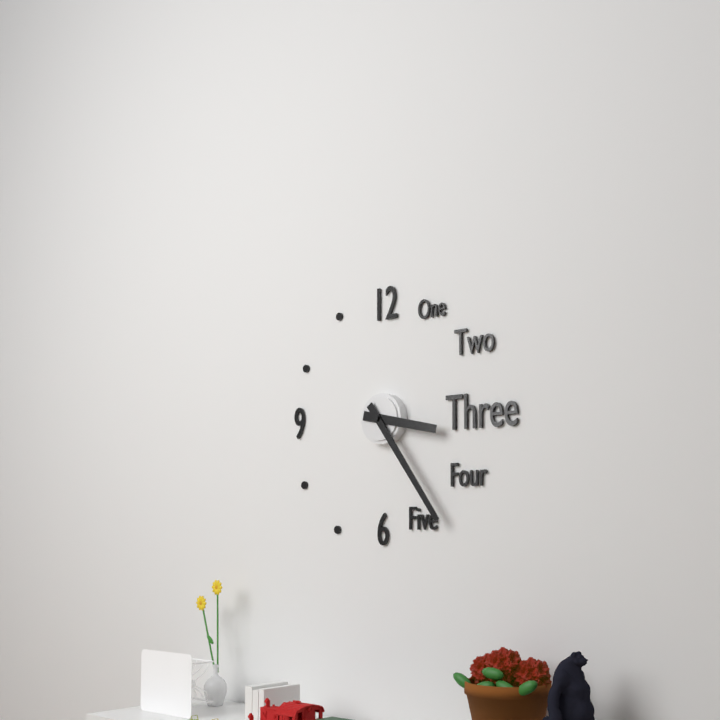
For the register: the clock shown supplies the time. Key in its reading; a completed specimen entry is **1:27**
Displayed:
**3:24**
